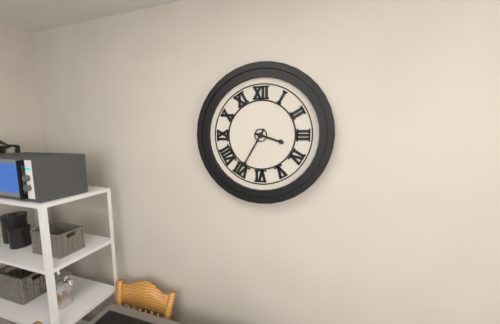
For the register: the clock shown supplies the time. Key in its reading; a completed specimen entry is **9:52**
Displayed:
**3:35**
